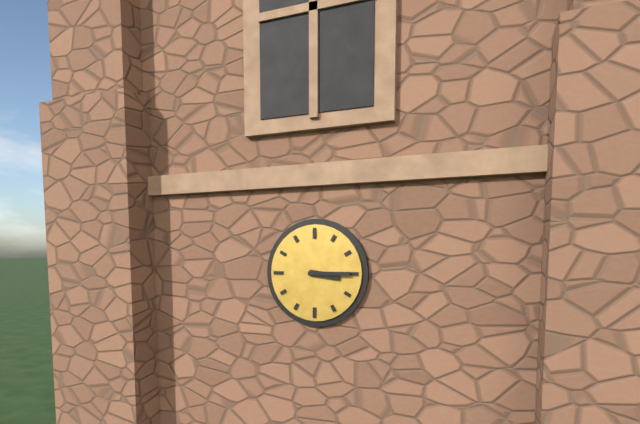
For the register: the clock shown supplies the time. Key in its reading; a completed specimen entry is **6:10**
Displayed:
**3:15**
